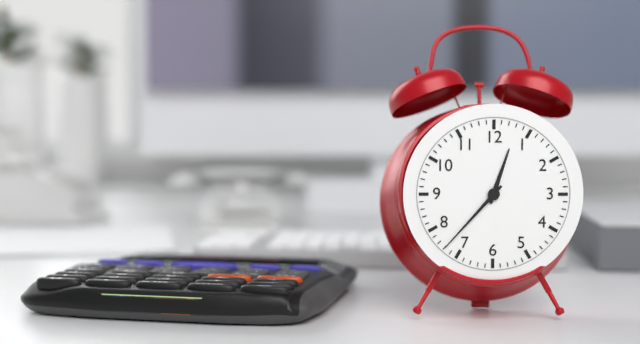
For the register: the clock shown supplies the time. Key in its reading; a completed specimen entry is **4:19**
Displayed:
**12:37**
